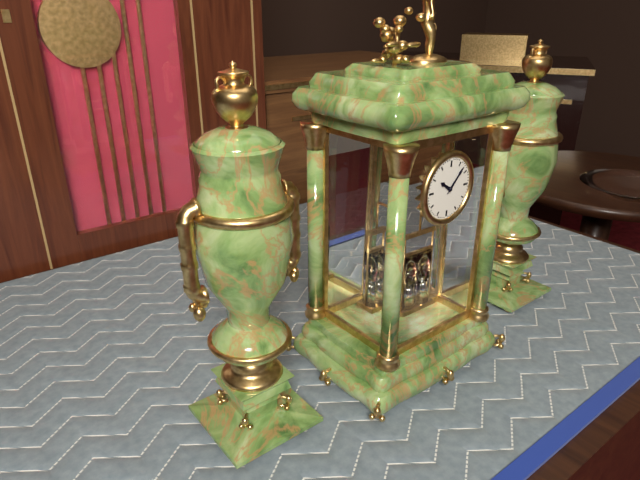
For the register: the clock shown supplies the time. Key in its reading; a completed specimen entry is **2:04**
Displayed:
**10:07**
